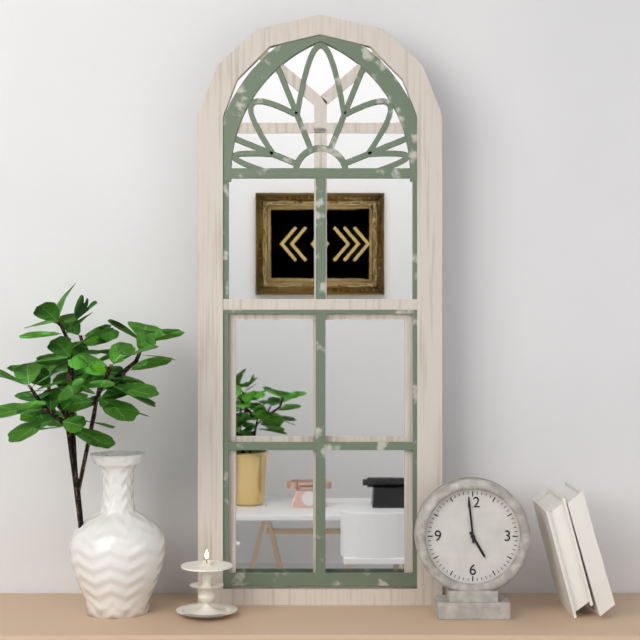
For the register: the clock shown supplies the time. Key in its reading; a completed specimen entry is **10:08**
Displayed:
**4:59**
